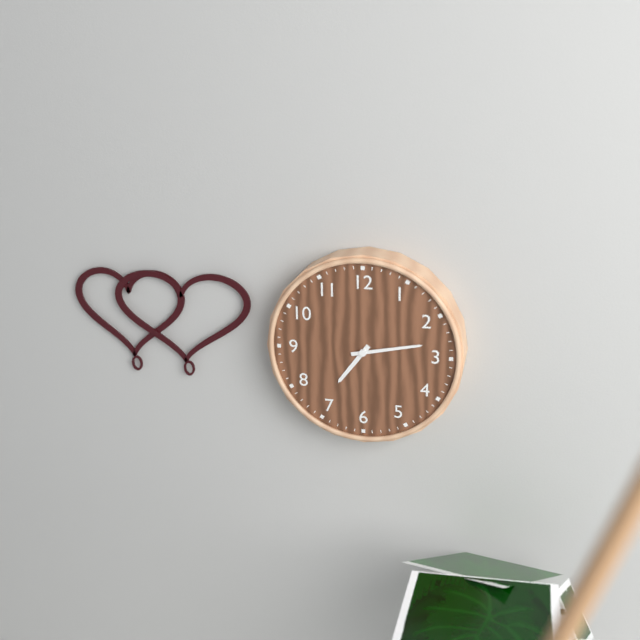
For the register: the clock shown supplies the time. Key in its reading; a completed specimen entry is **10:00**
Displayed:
**7:13**
